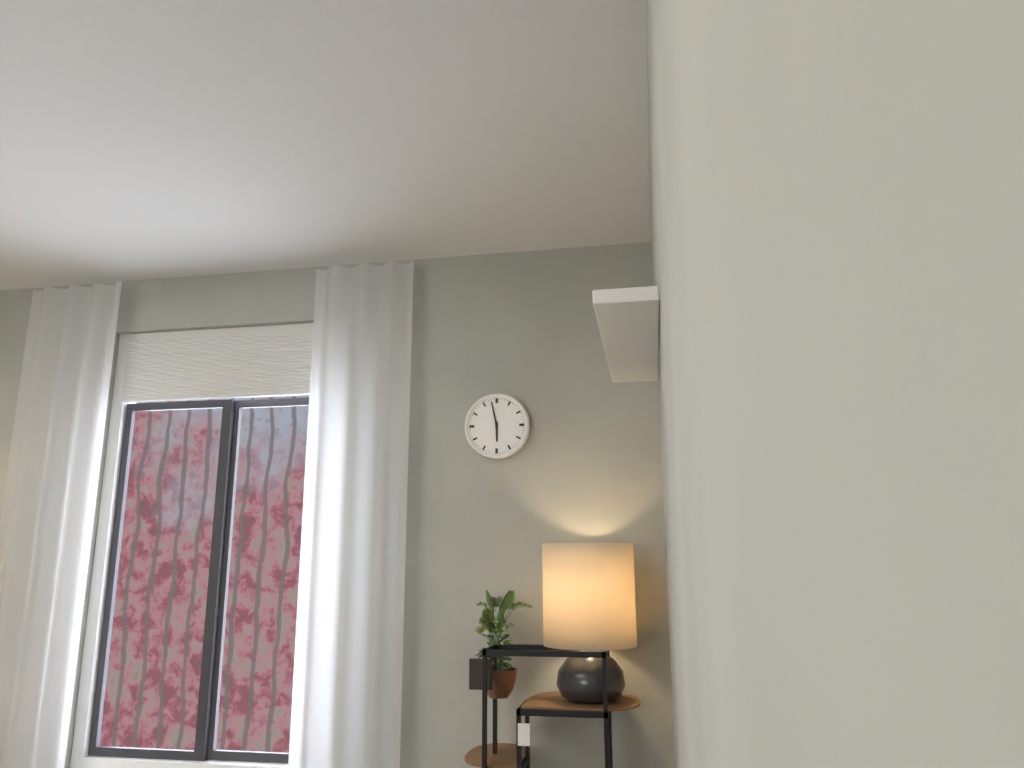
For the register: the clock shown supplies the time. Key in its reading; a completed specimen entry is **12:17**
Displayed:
**5:58**
